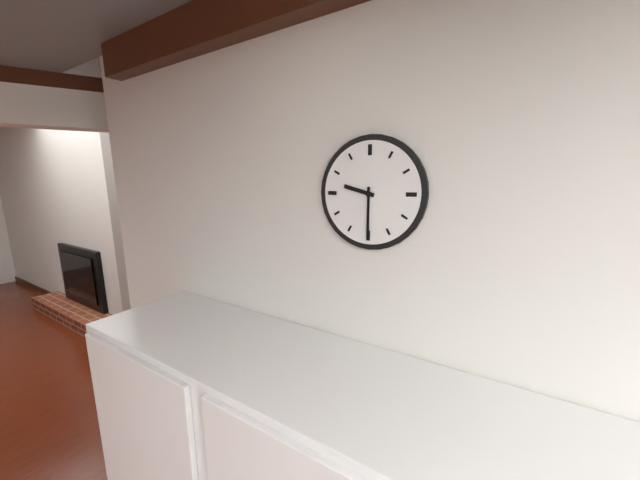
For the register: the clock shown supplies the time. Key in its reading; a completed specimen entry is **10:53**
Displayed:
**9:30**
